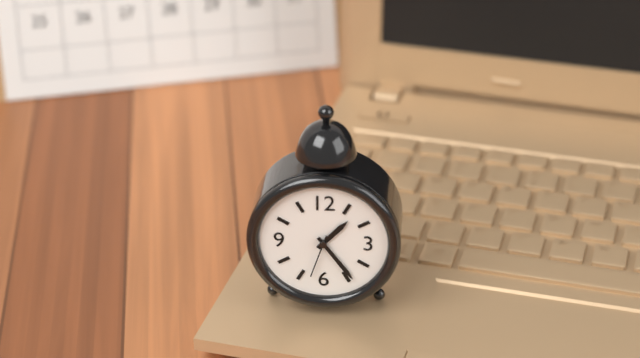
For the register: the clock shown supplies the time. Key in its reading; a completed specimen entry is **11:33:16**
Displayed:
**1:24:33**
